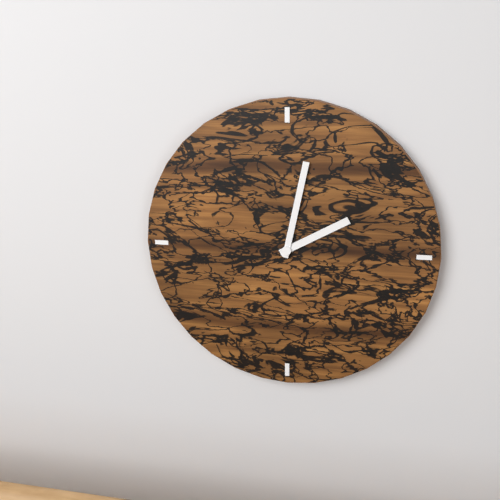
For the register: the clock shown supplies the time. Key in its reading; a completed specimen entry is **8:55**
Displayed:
**2:02**
